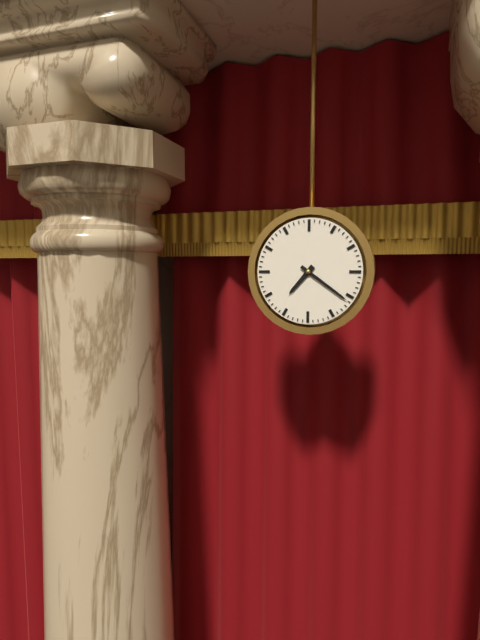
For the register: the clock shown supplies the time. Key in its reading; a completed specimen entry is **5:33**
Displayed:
**7:21**
